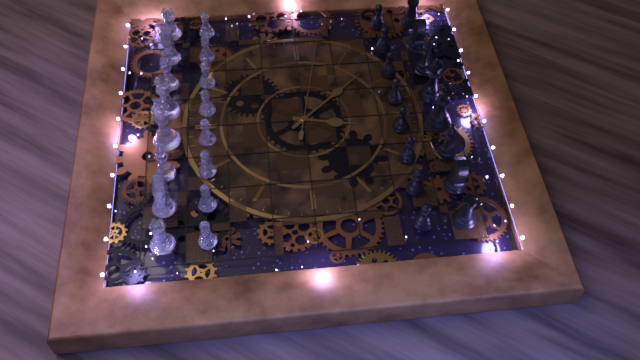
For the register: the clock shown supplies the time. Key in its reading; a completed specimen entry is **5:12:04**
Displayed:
**6:23:17**
